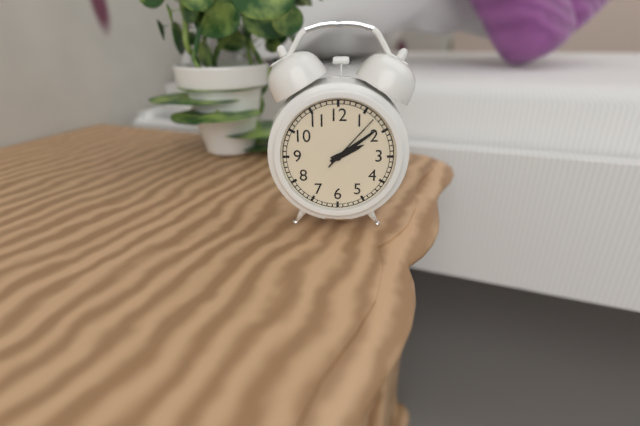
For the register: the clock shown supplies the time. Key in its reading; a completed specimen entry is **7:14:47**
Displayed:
**2:09:07**
